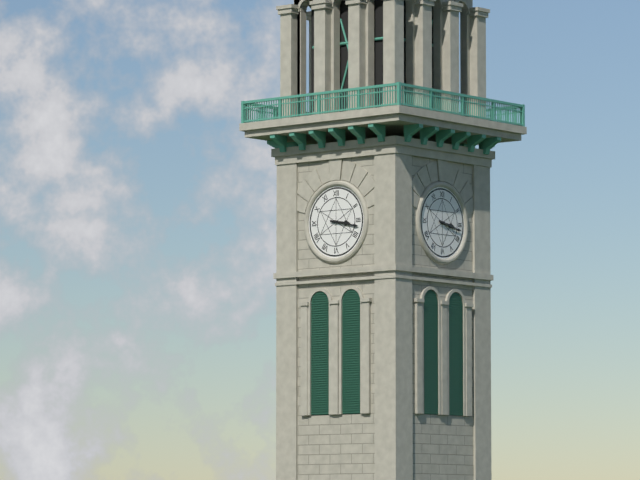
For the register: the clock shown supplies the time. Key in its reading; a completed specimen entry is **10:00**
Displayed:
**3:17**
